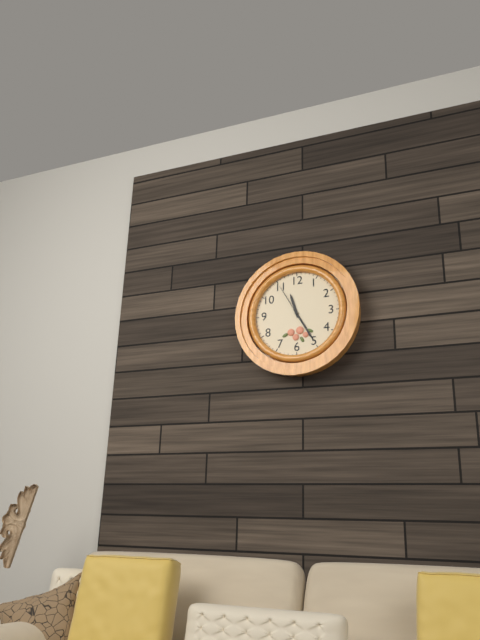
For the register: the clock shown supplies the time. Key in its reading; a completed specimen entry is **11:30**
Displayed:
**11:25**
